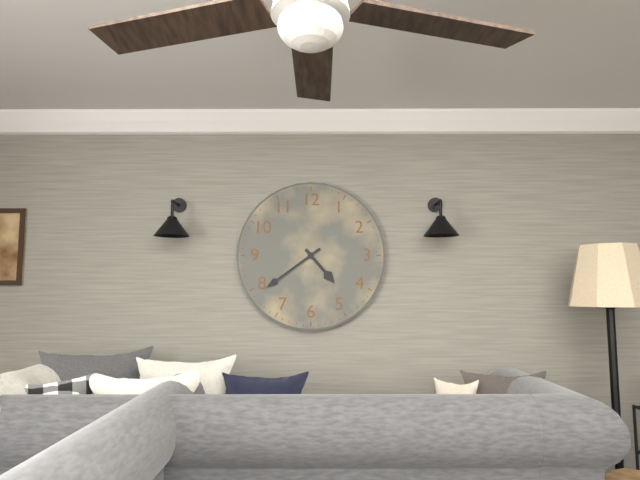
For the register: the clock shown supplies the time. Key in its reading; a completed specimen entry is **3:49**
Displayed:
**4:39**
